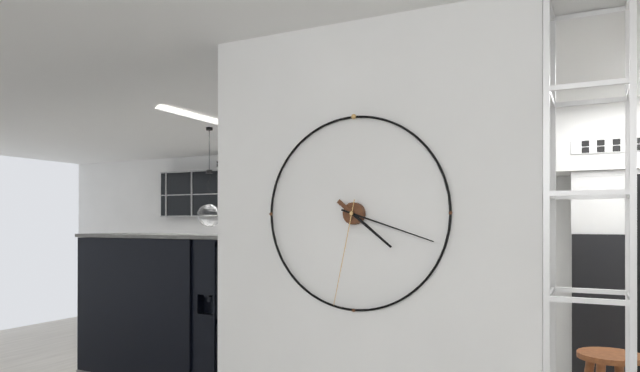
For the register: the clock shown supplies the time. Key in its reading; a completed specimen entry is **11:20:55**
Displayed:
**4:18:32**
